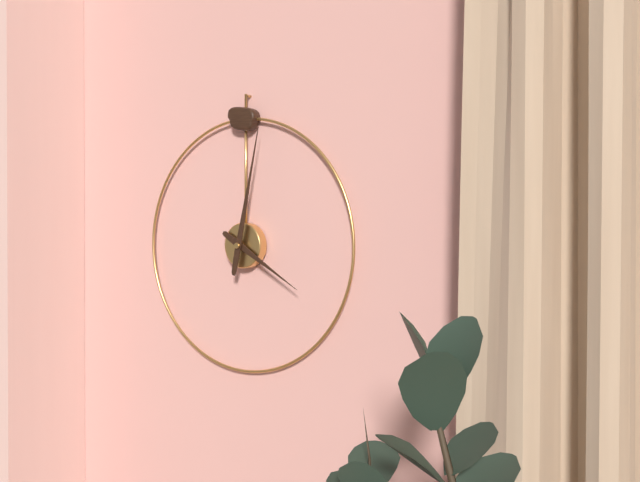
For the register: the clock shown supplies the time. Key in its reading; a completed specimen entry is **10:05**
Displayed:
**4:02**
